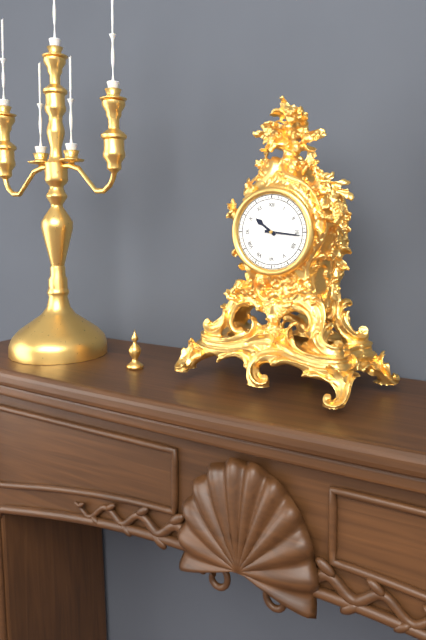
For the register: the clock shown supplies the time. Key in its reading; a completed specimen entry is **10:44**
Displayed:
**10:16**
